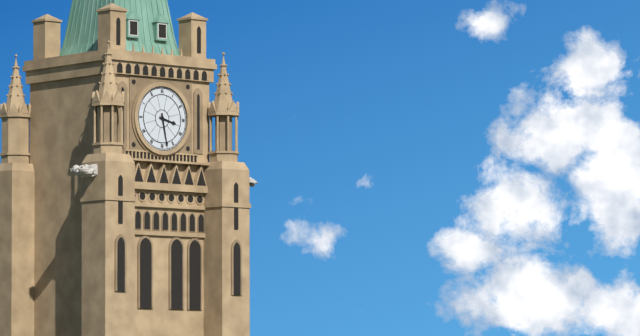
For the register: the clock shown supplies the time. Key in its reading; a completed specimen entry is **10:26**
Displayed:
**3:28**
